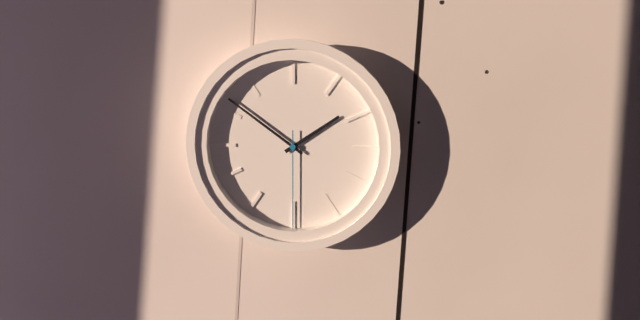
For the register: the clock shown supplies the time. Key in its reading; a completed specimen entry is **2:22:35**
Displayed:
**1:51:30**
